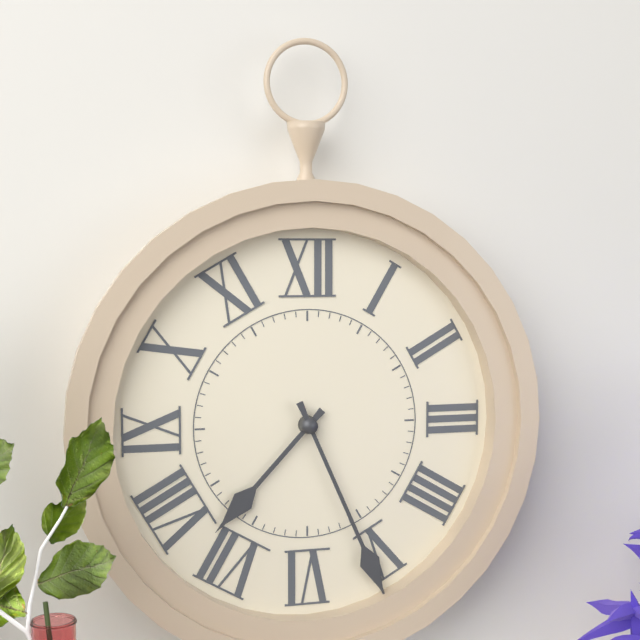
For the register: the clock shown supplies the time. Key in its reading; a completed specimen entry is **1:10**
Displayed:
**7:26**
